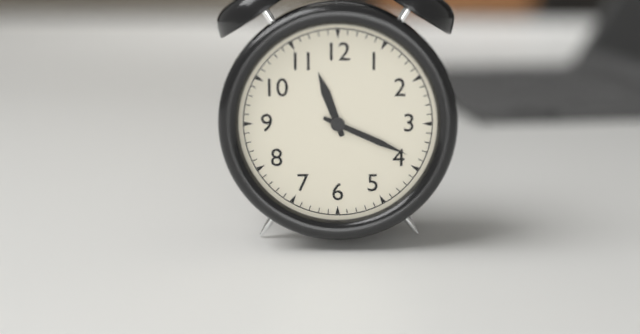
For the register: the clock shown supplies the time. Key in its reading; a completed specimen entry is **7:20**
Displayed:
**11:19**
